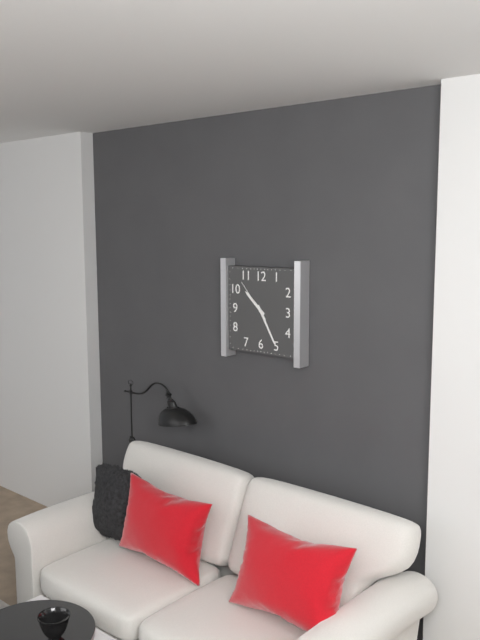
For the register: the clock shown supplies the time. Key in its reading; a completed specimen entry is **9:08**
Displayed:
**10:25**
